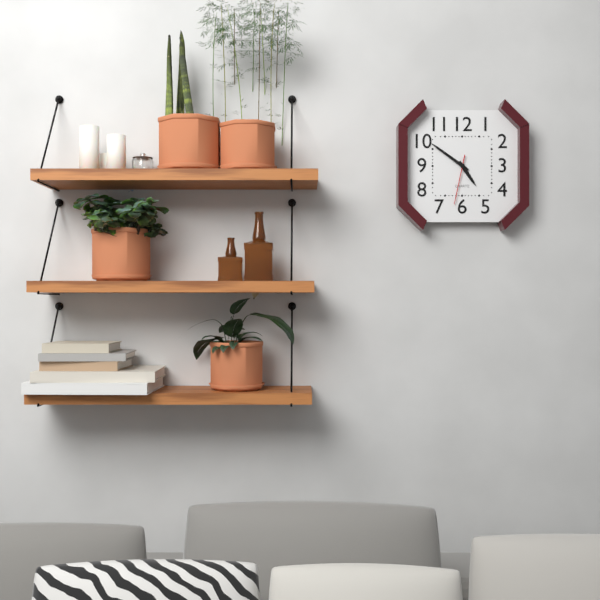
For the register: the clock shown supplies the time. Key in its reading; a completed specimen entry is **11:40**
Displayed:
**4:51**
